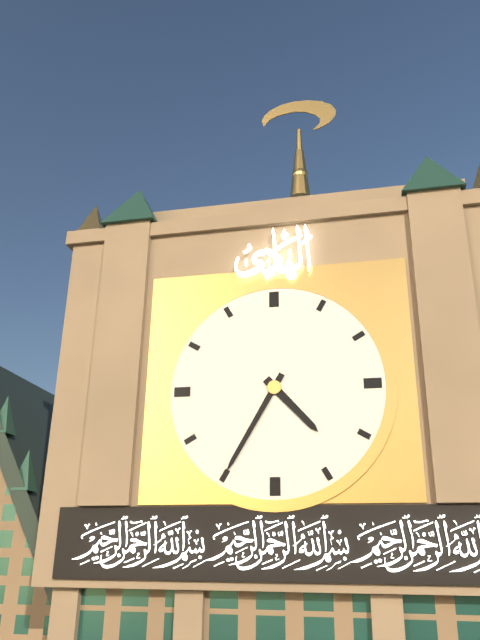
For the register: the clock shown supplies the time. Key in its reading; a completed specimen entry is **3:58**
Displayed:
**4:35**
